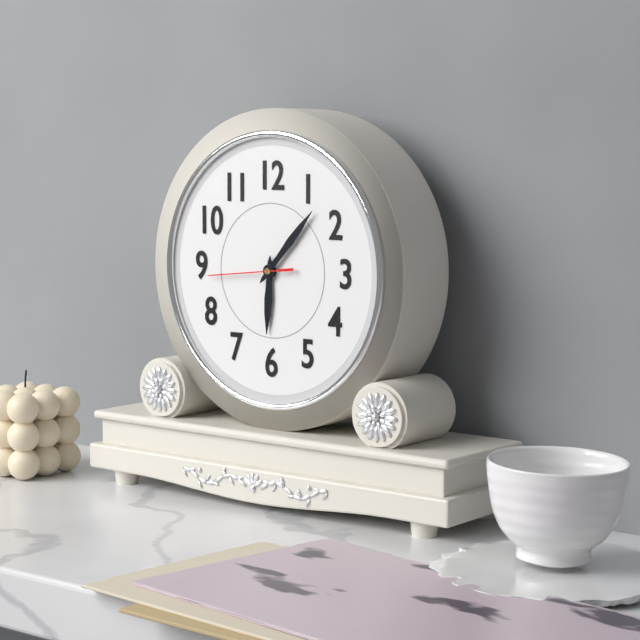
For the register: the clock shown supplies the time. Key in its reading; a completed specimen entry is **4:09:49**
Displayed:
**6:07:44**
